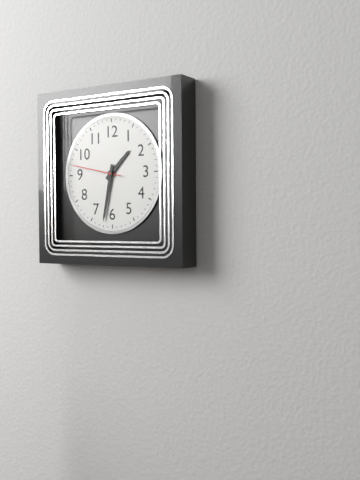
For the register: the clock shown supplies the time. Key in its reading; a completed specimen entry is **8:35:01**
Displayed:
**1:32:47**
